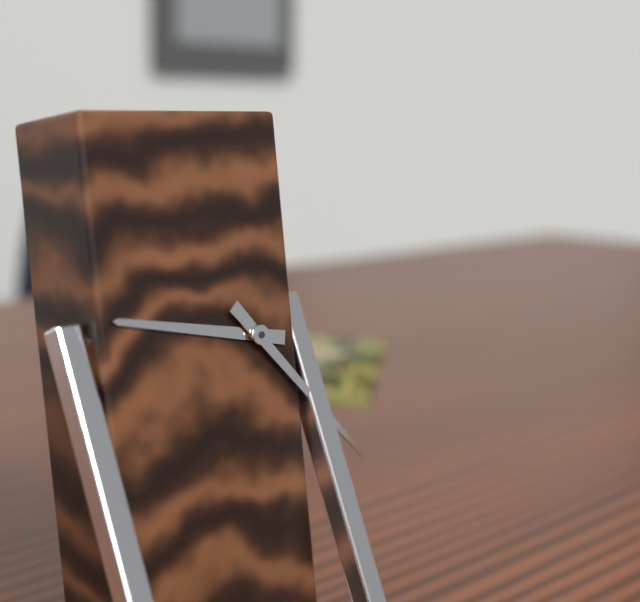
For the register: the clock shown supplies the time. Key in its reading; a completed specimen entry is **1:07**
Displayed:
**9:23**
